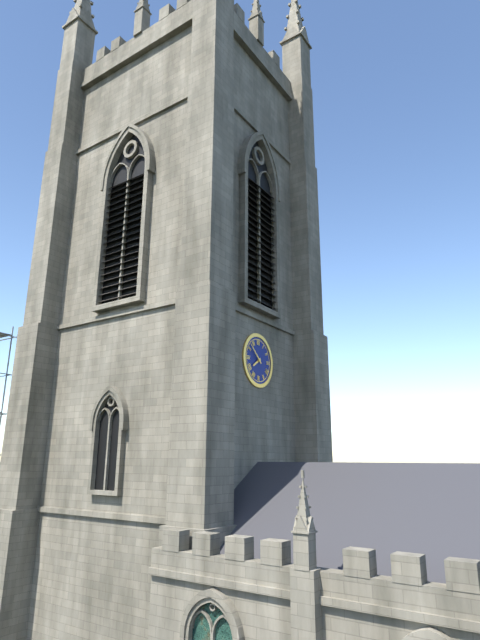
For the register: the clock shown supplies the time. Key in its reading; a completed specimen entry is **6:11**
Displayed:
**7:52**
